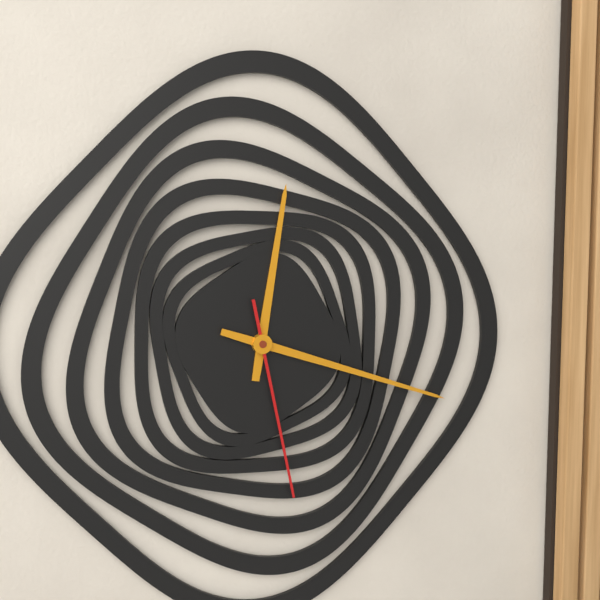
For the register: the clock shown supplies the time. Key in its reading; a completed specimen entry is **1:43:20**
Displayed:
**12:18:28**
